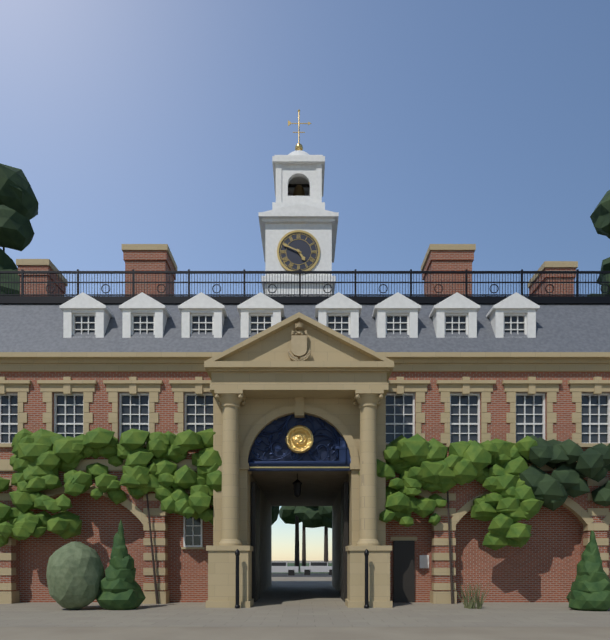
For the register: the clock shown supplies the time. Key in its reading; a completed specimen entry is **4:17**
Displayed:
**4:49**
